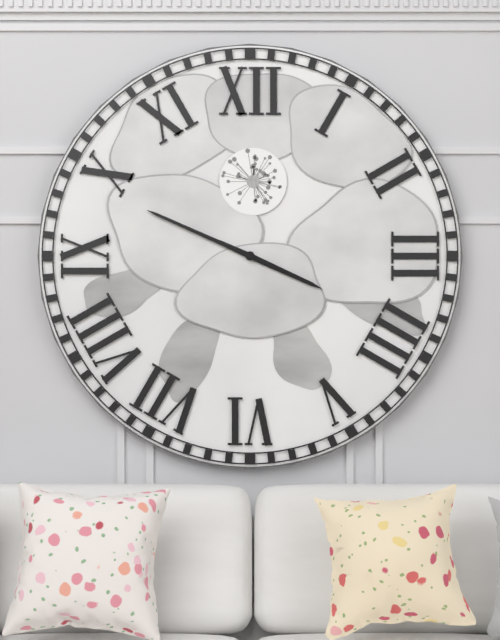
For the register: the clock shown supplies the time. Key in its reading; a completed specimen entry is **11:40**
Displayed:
**3:49**
